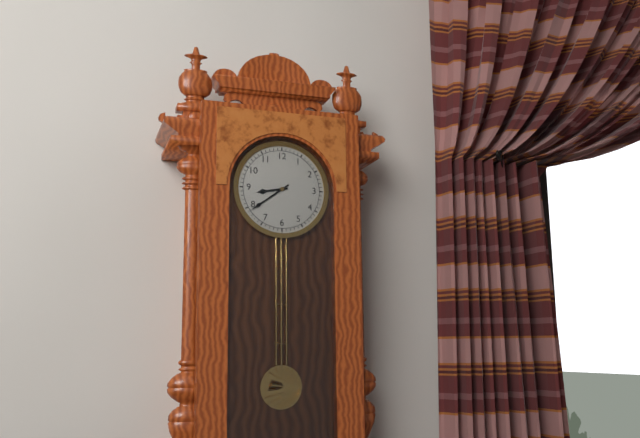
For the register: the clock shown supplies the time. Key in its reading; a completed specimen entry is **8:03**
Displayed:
**8:39**
